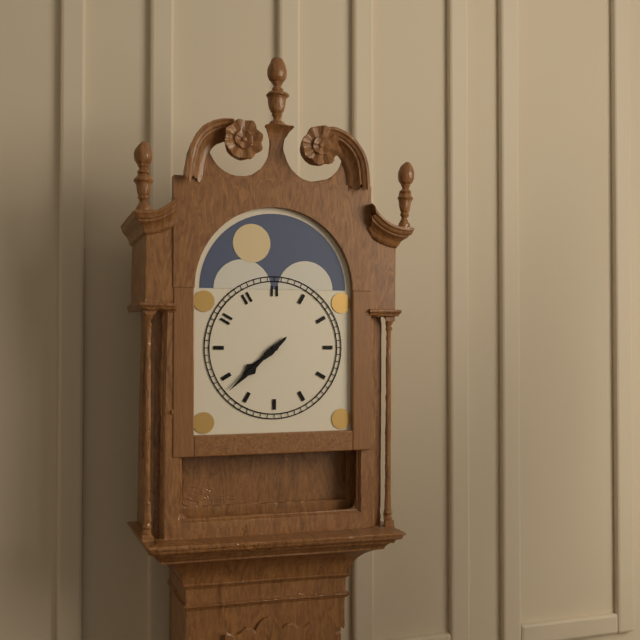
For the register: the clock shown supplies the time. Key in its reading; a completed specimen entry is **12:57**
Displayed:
**7:38**
